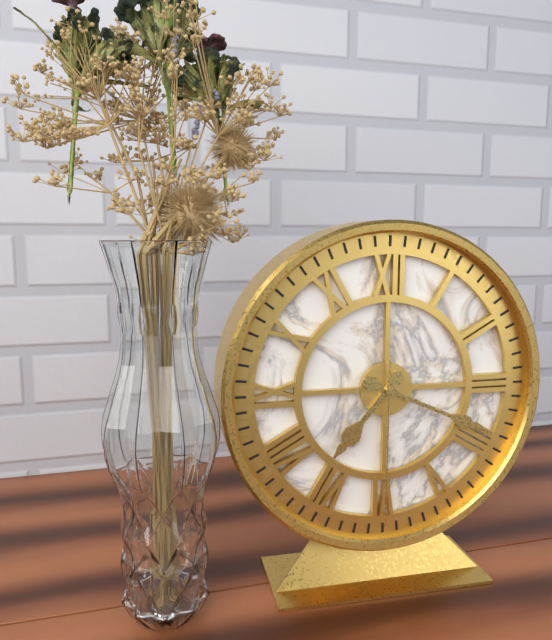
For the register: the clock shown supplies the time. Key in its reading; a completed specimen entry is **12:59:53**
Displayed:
**7:19:30**
